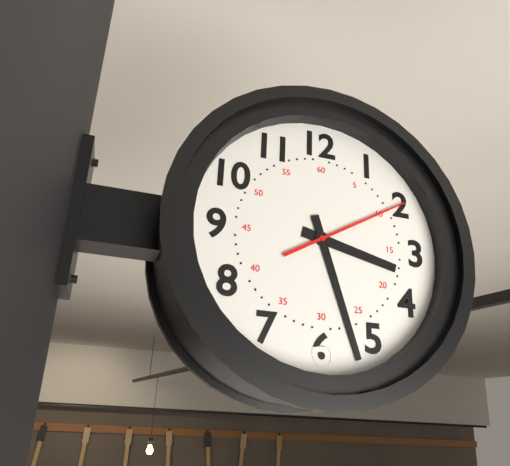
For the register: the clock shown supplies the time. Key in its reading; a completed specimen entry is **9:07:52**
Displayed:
**3:27:10**
